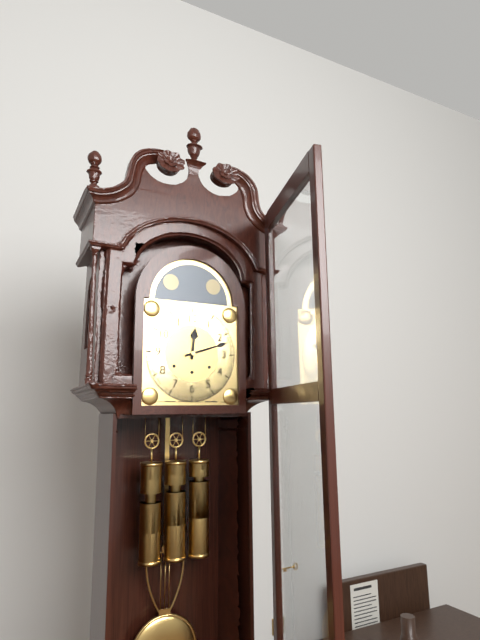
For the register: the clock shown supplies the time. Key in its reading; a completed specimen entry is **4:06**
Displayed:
**12:12**
